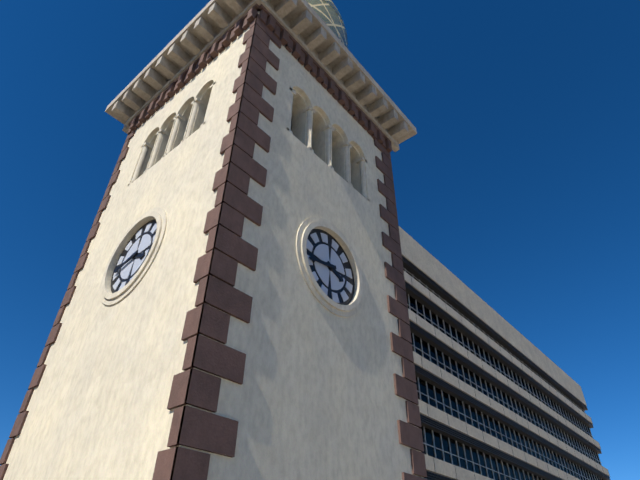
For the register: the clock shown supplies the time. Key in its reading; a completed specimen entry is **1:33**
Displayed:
**3:43**
